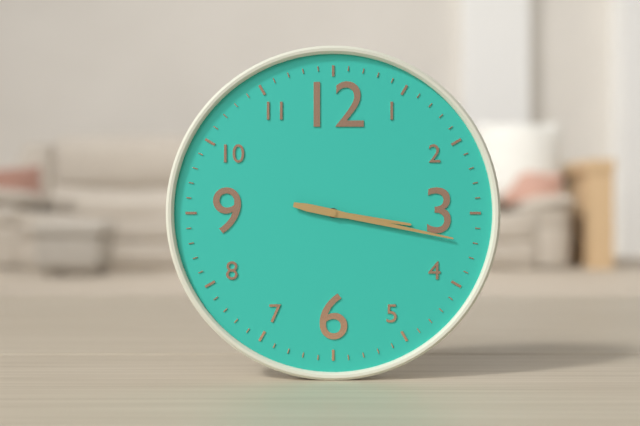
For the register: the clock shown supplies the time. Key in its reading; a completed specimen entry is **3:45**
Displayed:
**3:17**
